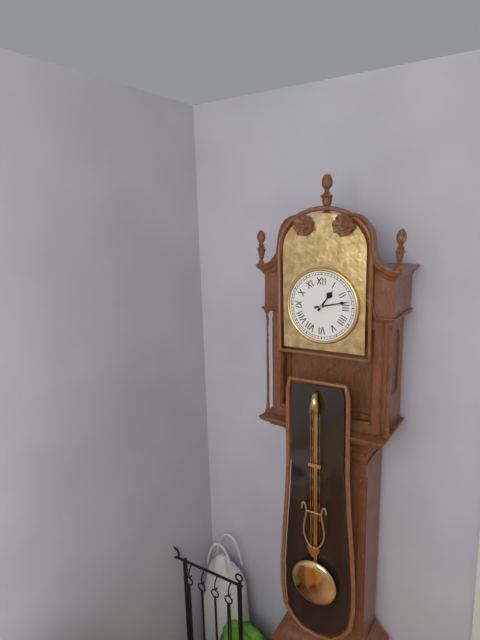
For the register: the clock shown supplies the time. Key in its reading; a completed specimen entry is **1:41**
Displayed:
**1:13**
